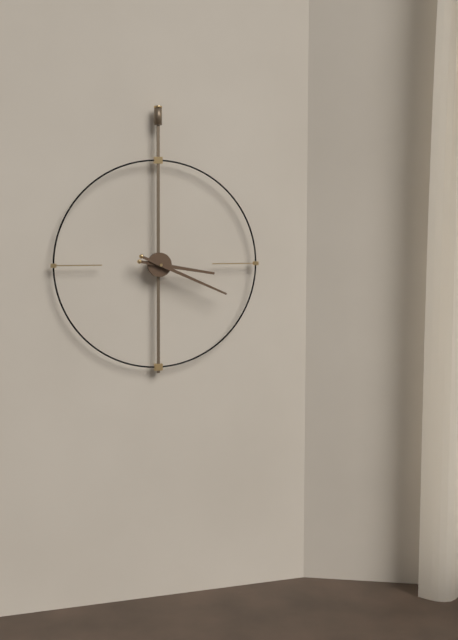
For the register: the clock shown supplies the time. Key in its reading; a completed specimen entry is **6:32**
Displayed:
**3:19**
